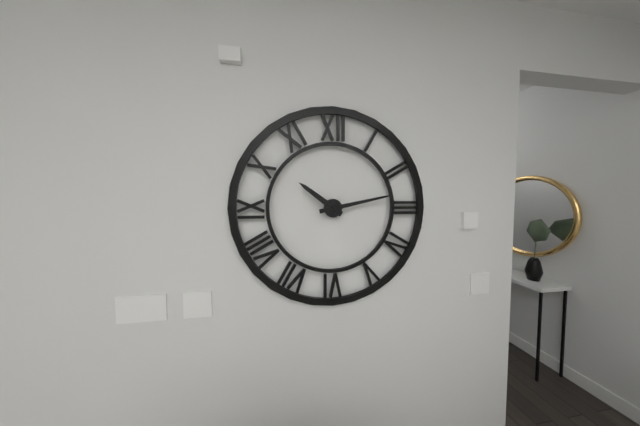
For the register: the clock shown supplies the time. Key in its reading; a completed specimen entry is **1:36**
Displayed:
**10:13**
